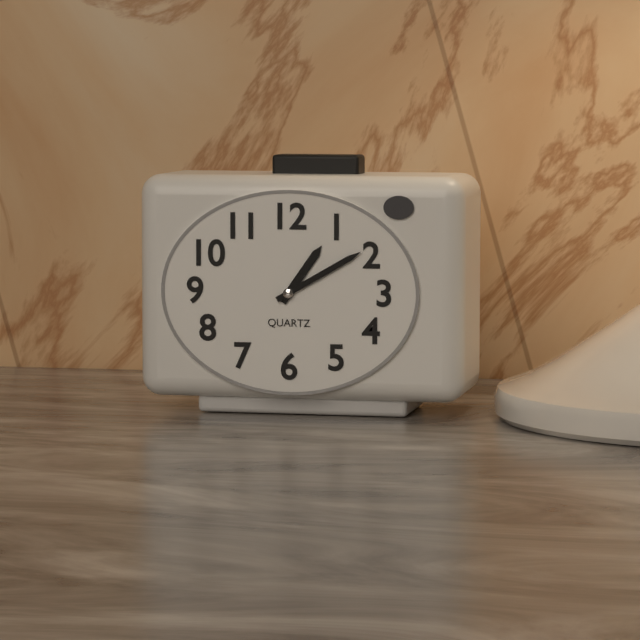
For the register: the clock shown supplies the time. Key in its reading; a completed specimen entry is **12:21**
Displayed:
**1:10**
